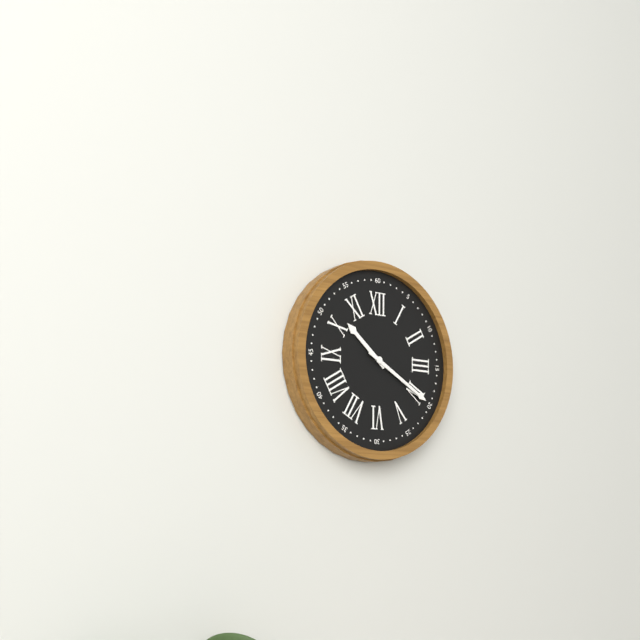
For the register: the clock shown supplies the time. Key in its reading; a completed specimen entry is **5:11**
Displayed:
**10:20**
